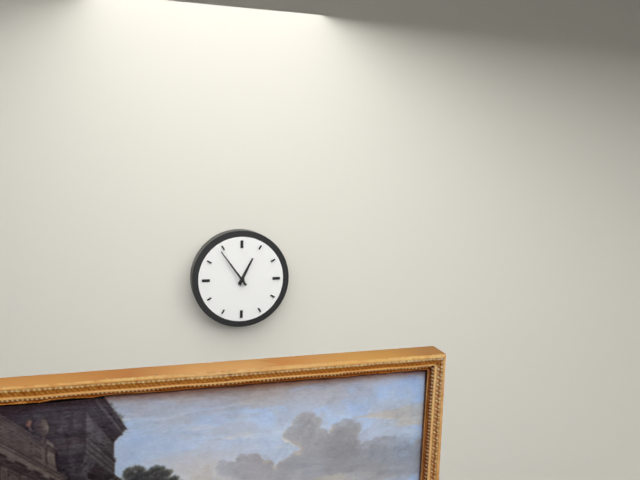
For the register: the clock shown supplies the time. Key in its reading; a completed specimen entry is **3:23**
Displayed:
**12:54**
